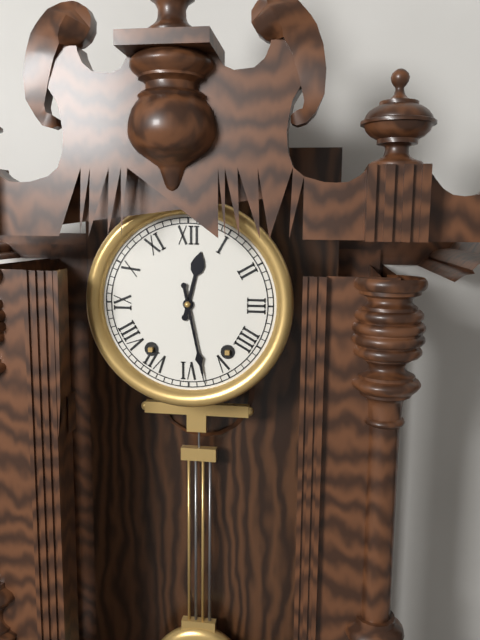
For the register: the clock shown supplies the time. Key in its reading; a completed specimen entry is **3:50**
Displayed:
**12:28**
